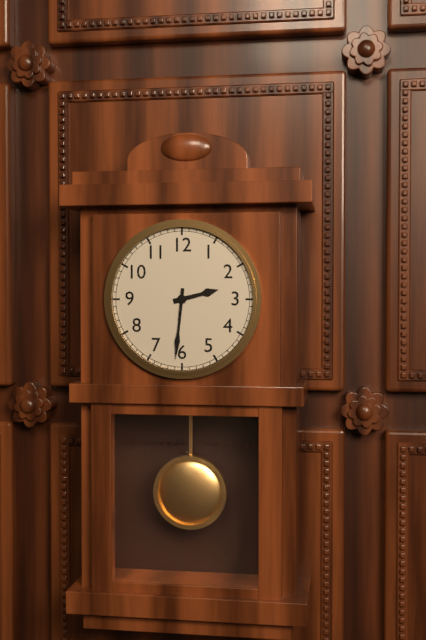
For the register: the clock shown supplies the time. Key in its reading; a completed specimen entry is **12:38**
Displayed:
**2:31**
